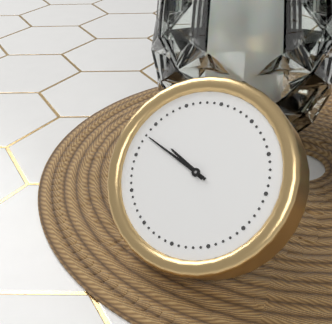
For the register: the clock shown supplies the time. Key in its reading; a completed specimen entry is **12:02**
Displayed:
**9:48**
